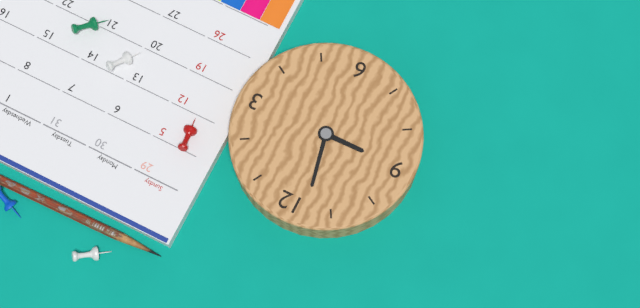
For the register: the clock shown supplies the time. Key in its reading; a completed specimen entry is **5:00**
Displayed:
**8:58**
